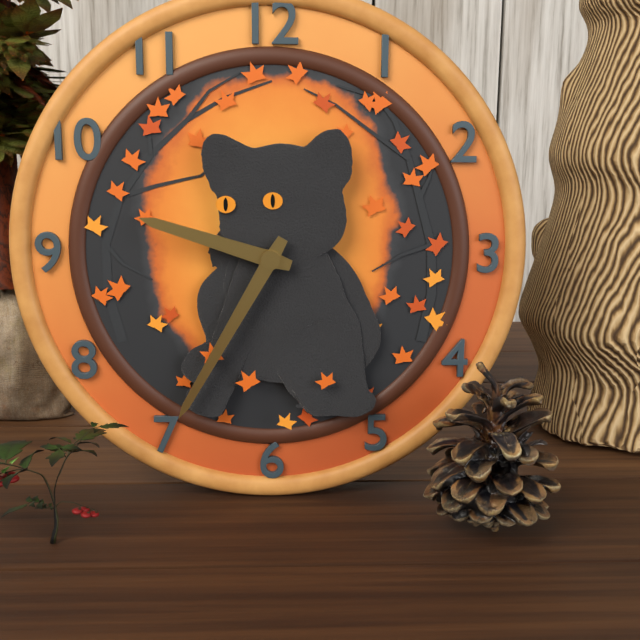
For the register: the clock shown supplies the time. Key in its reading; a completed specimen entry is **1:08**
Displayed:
**9:35**
